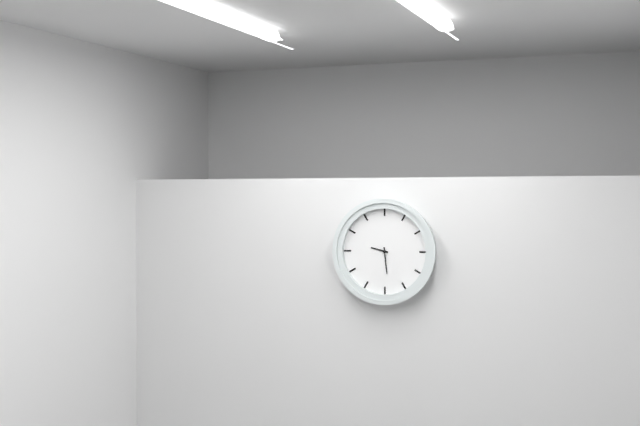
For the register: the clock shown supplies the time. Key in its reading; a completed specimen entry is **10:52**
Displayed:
**9:29**
